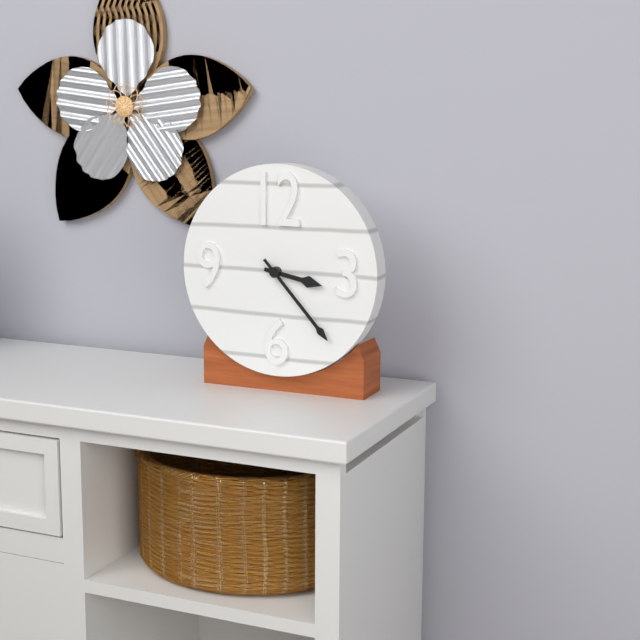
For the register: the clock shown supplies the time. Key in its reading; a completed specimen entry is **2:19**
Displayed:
**3:23**
